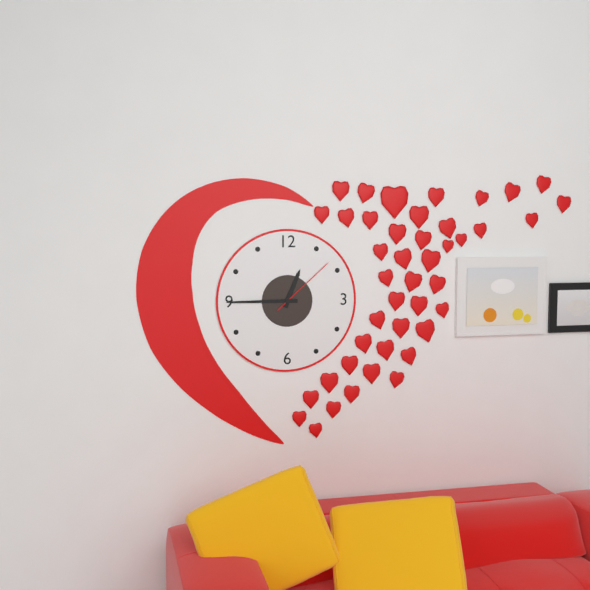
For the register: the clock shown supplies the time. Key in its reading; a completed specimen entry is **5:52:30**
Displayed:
**12:45:08**
